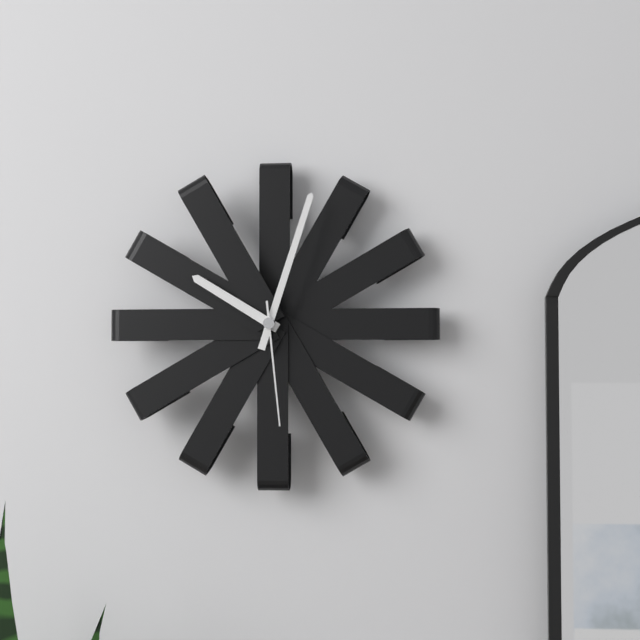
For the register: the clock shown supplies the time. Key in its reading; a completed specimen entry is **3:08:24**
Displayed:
**10:03:29**
